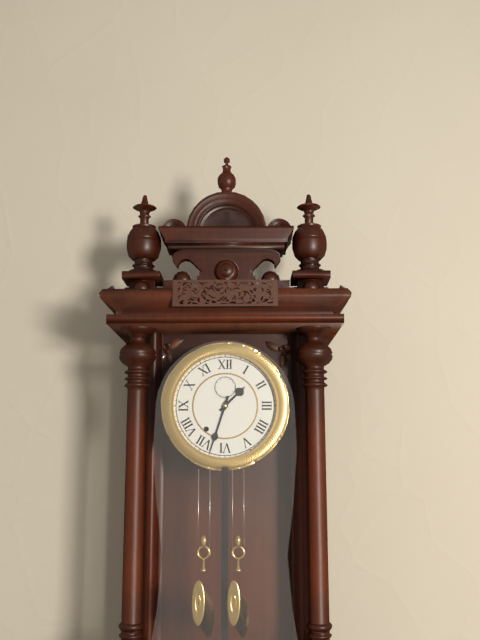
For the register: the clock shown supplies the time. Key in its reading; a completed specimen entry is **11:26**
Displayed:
**1:33**
